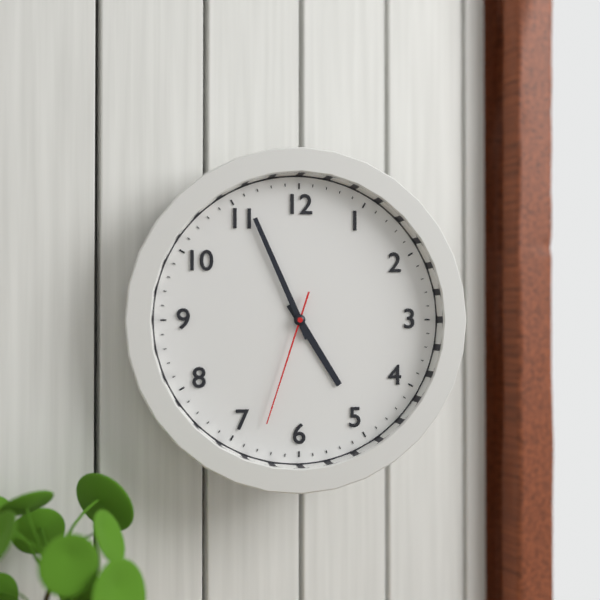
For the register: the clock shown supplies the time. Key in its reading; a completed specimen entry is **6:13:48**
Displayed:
**4:56:33**
